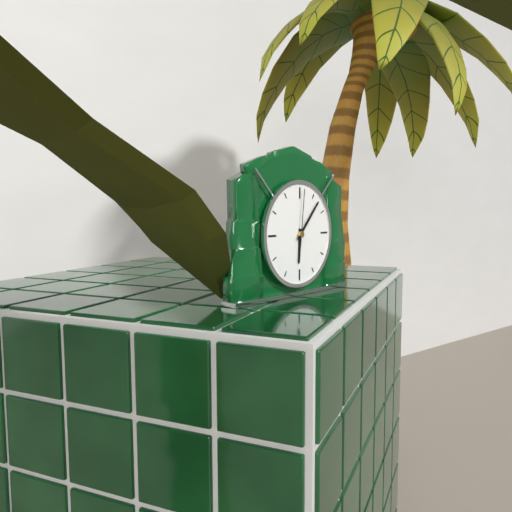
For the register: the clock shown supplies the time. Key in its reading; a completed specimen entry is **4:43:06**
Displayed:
**6:07:01**
